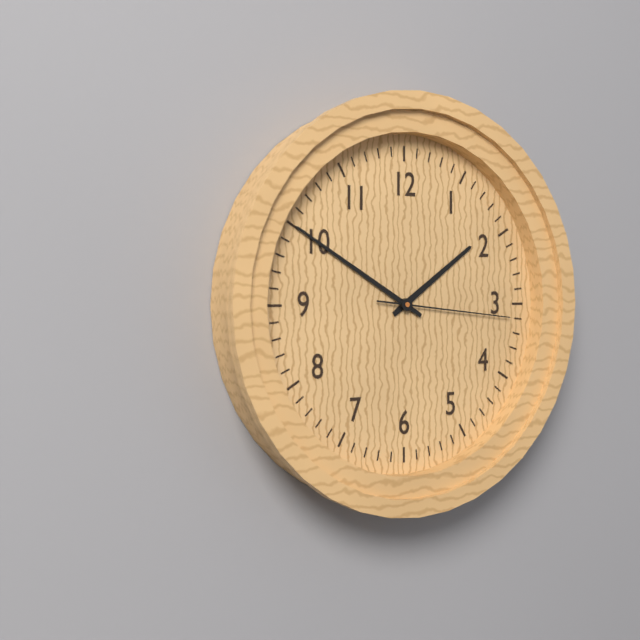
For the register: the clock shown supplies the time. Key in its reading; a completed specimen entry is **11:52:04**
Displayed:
**1:50:16**
